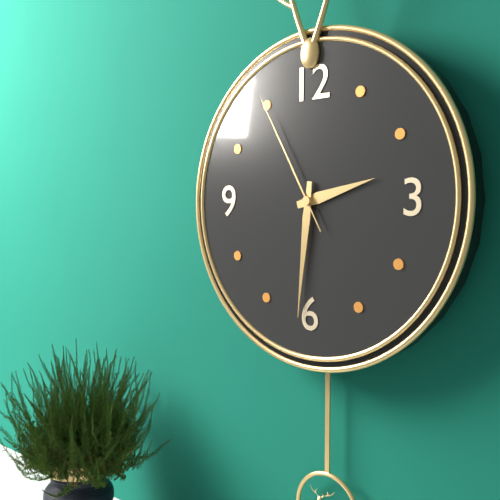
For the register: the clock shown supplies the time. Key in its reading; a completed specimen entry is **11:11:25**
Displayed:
**2:31:55**
